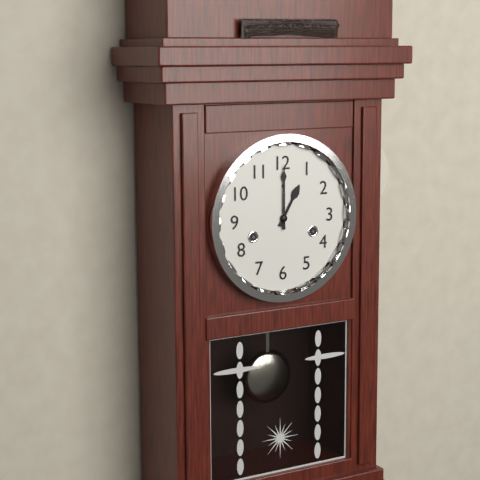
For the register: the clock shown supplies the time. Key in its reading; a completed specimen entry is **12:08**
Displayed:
**1:00**
